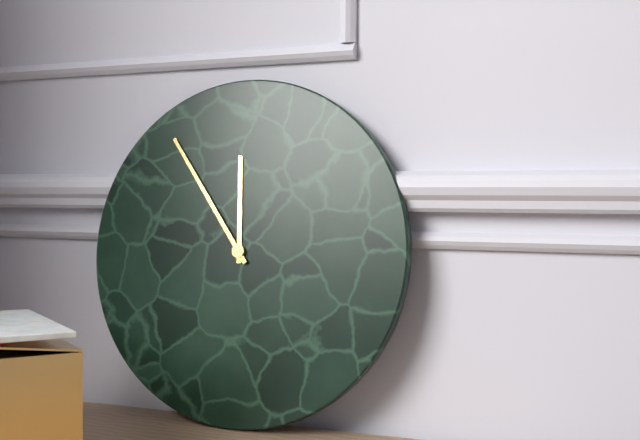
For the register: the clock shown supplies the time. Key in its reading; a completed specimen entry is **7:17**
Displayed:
**11:54**
